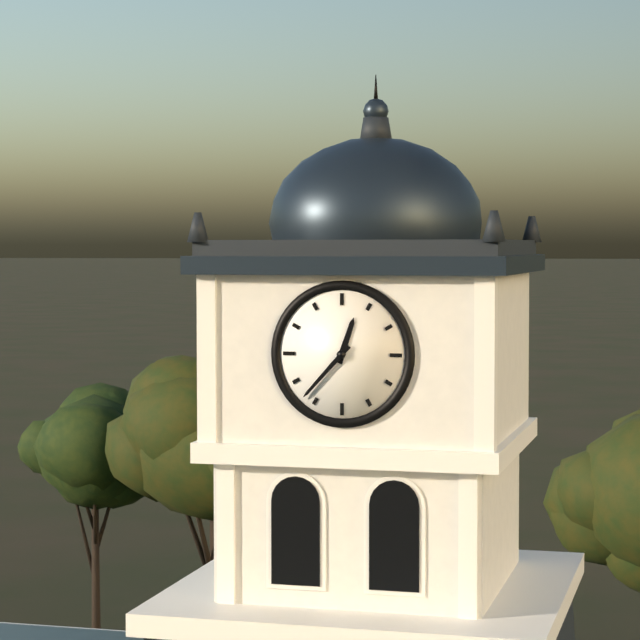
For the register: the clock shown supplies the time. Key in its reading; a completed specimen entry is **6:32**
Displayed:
**12:37**
